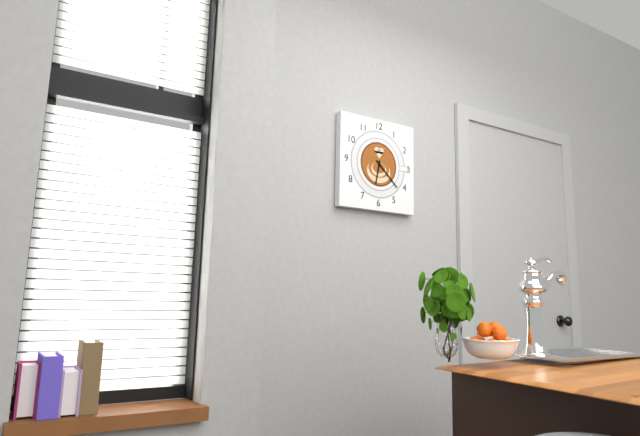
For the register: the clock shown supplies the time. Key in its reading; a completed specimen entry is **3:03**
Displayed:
**6:22**
